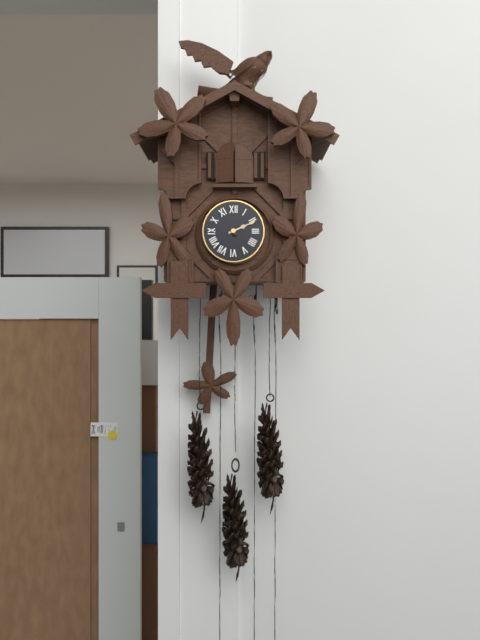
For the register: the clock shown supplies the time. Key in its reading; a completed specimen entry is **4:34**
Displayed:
**2:11**
